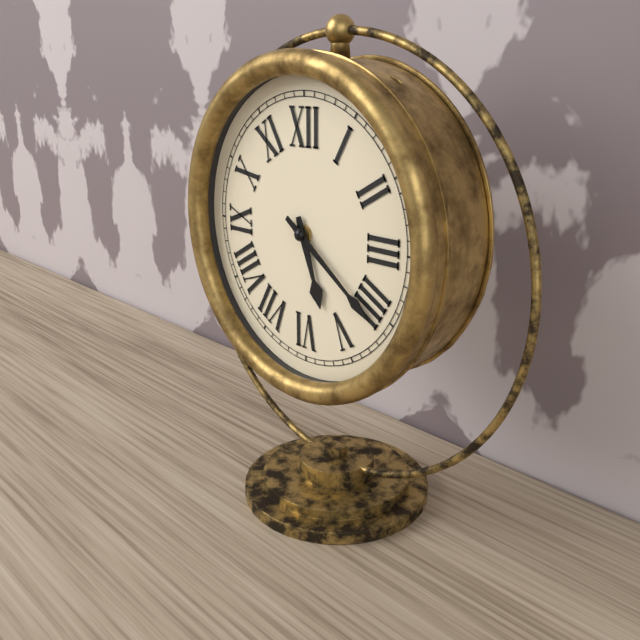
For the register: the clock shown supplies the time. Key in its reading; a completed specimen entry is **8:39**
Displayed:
**5:21**
